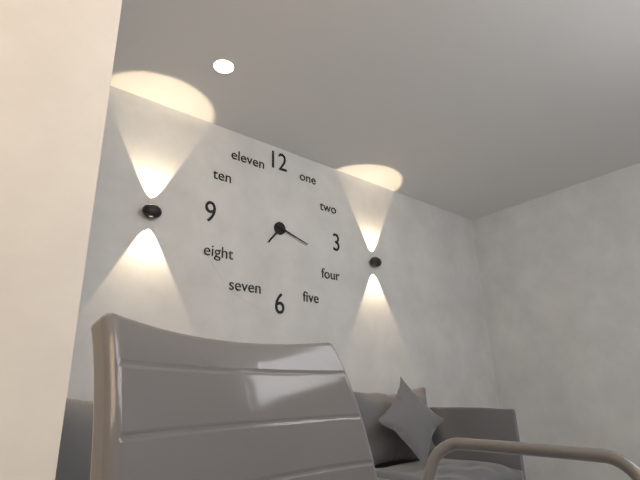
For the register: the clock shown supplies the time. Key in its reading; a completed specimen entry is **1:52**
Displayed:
**7:18**
